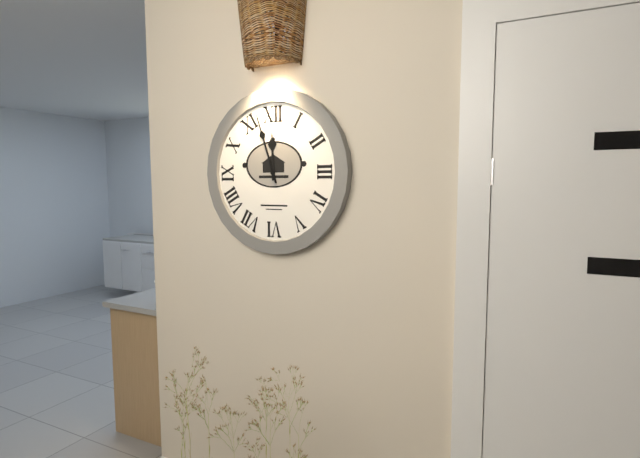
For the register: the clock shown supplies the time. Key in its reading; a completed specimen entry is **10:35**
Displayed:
**11:57**
